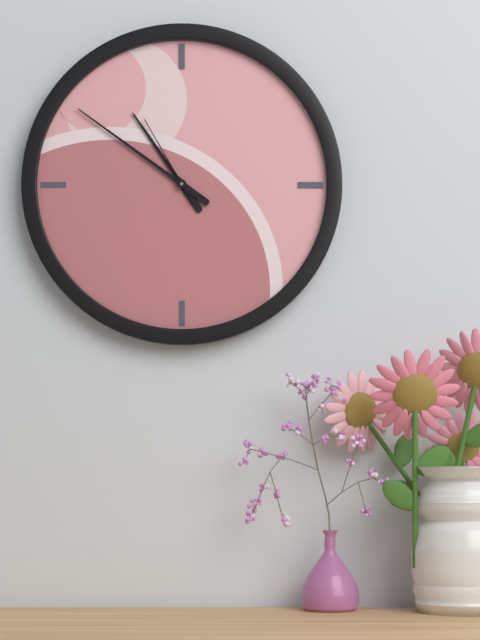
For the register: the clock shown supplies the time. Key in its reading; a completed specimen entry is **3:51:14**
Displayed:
**10:51:55**
